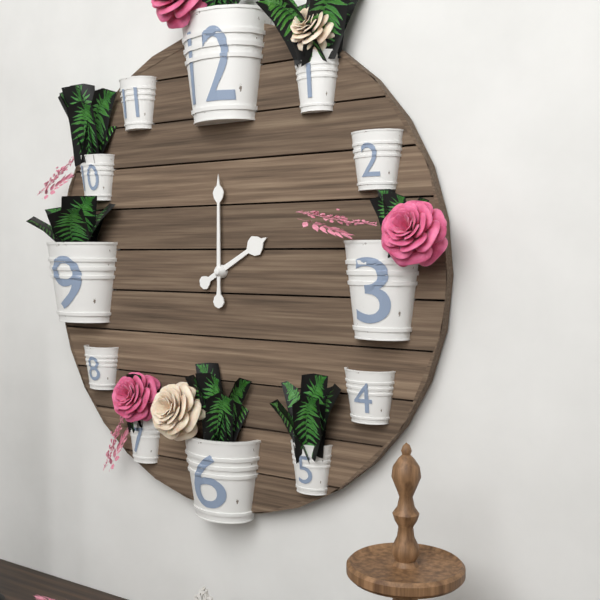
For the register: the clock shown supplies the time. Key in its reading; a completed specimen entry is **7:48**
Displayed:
**2:00**
